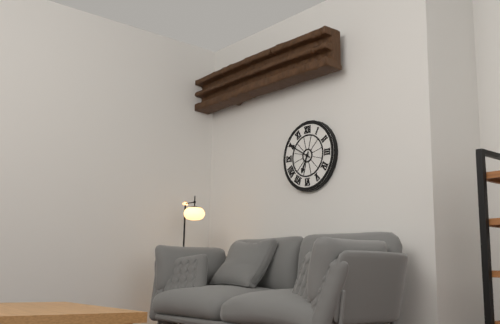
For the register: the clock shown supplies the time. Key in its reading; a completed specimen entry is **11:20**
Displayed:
**6:50**
